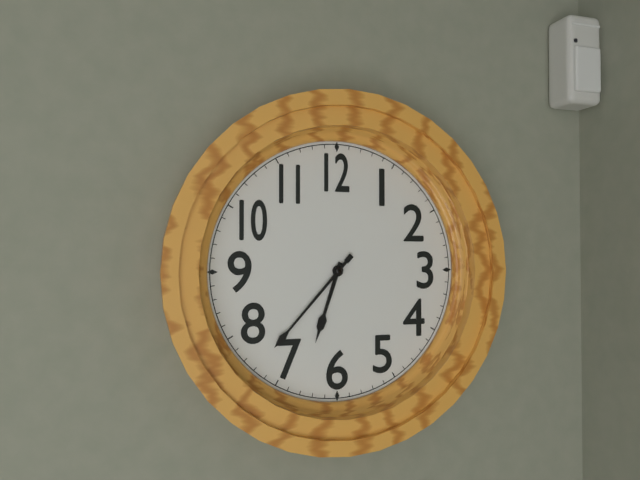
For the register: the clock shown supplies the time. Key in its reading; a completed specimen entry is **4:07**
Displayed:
**6:37**
